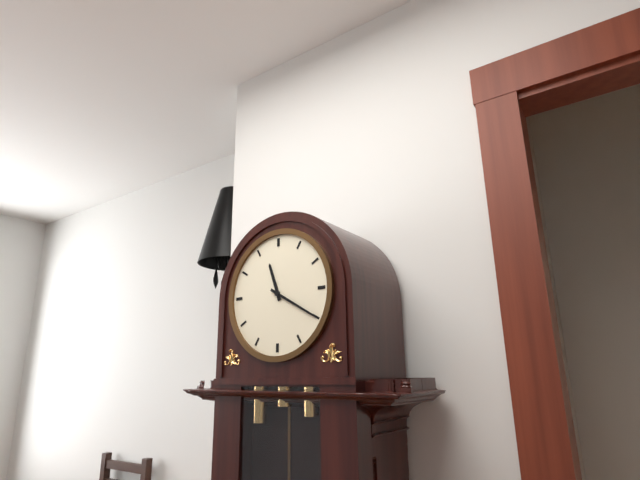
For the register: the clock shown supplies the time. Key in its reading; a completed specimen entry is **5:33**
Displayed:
**11:20**
